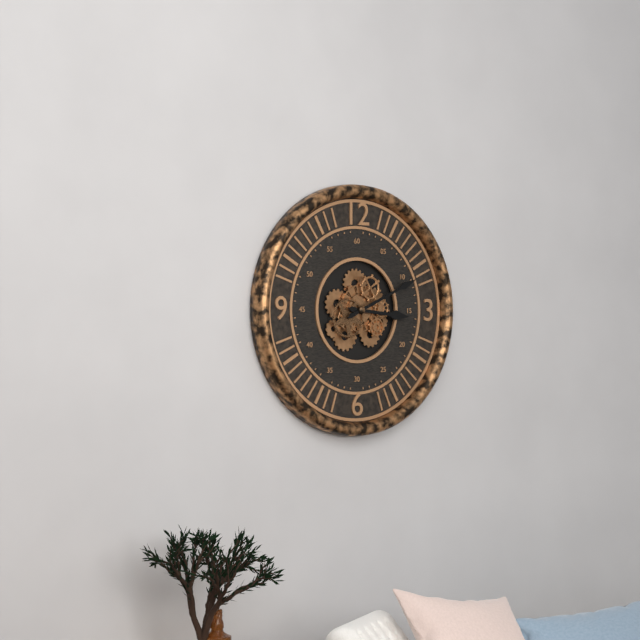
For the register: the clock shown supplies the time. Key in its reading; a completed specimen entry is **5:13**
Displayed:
**3:11**
